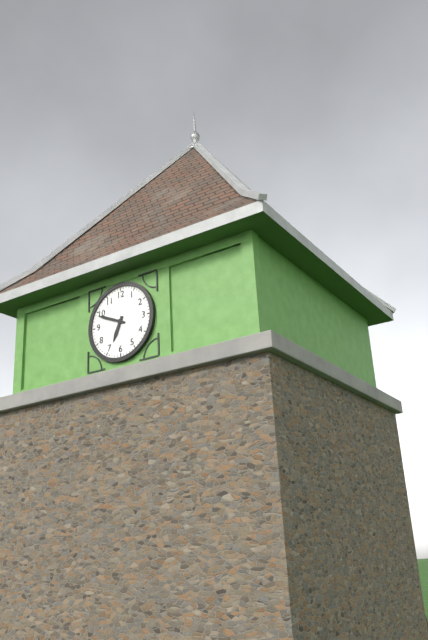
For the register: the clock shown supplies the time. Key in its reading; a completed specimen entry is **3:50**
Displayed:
**6:49**
